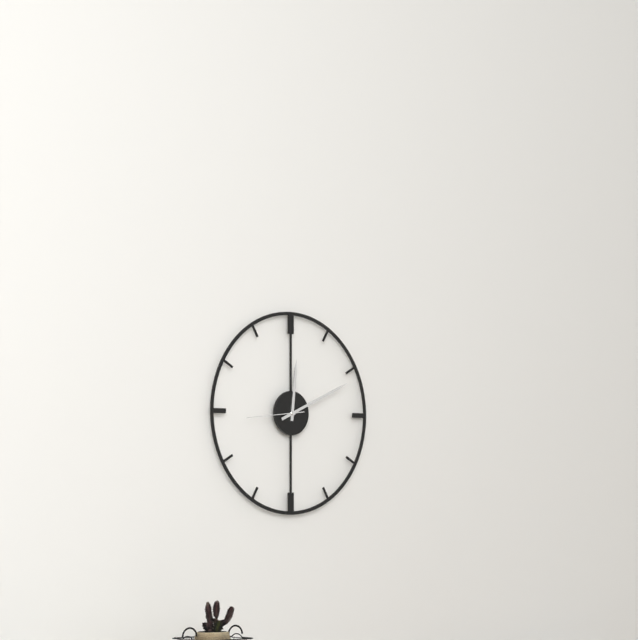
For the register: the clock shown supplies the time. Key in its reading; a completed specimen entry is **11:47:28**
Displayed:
**12:11:44**
